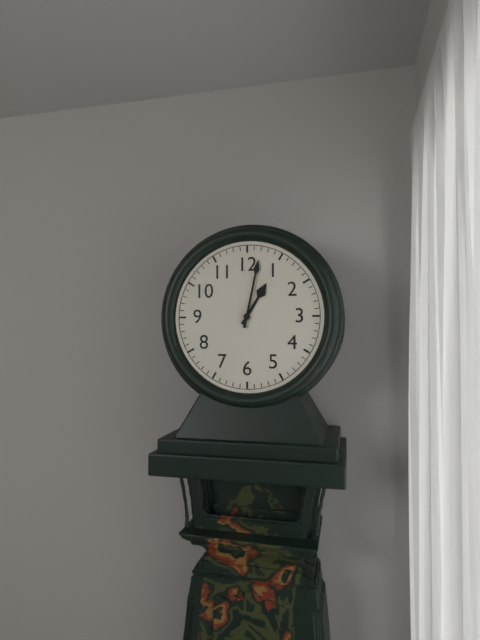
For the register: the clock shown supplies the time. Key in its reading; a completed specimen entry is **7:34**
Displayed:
**1:02**
